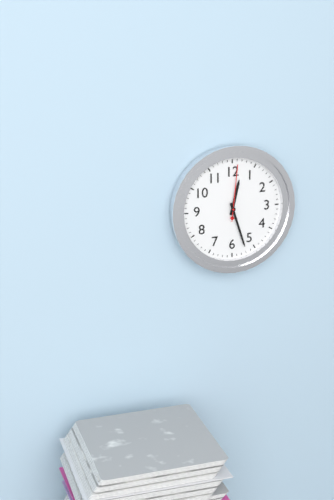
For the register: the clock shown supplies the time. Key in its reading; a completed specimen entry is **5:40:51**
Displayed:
**12:27:01**
